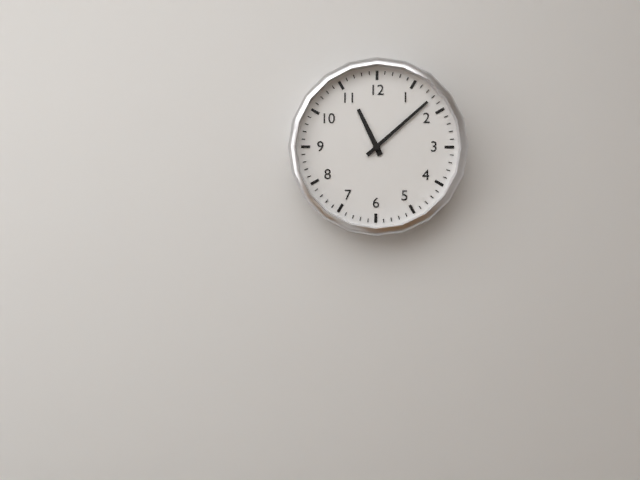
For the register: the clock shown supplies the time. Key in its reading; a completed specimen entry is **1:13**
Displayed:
**11:08**
